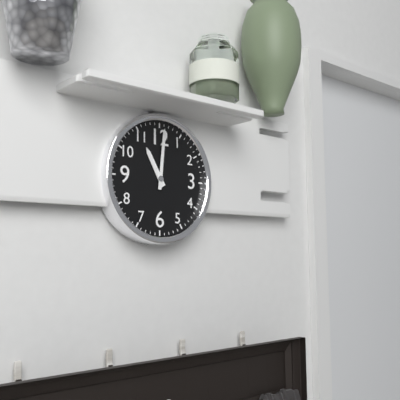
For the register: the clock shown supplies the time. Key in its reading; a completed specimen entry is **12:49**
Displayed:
**11:01**
